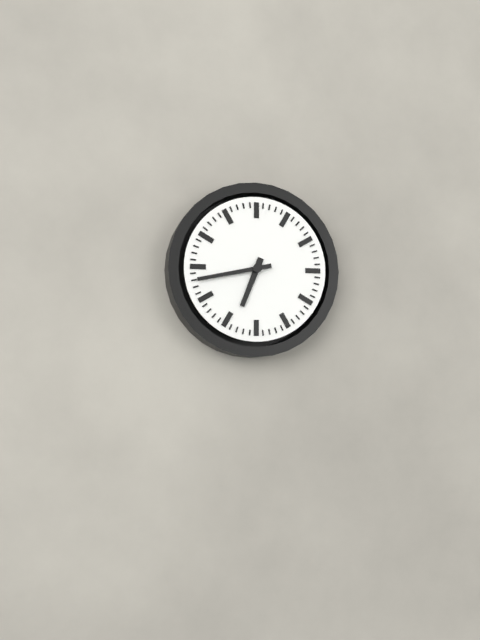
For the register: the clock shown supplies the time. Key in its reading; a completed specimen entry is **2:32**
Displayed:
**6:43**
